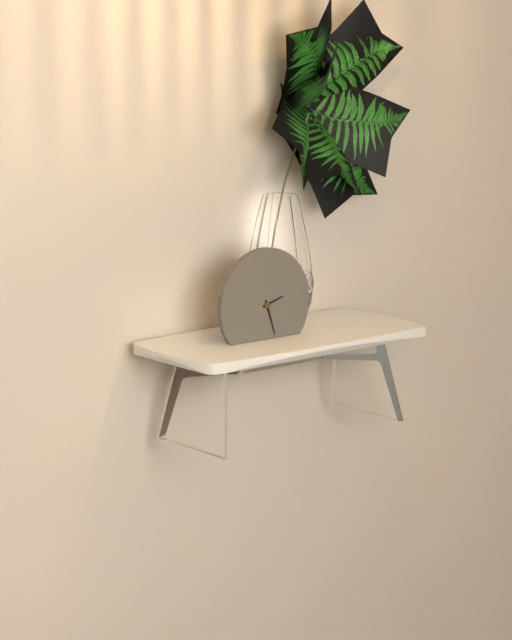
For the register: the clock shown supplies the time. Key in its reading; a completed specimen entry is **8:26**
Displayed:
**2:27**
